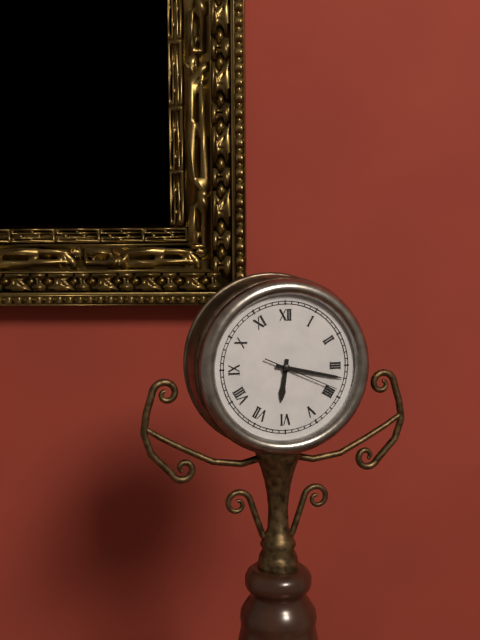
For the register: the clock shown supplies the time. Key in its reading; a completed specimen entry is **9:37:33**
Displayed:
**6:17:19**
